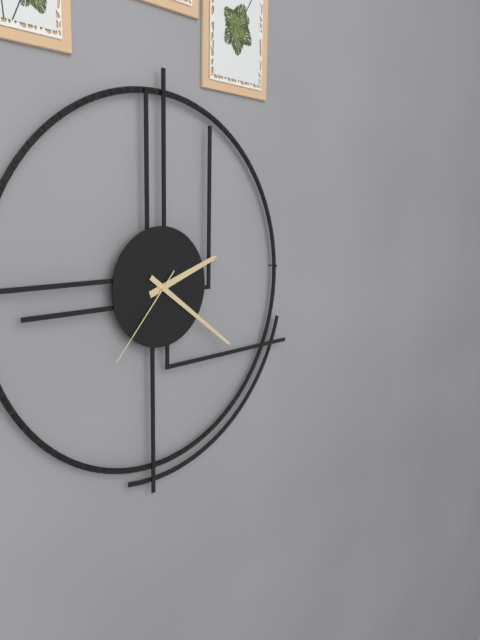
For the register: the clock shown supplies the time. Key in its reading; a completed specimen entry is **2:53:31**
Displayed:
**2:21:37**
